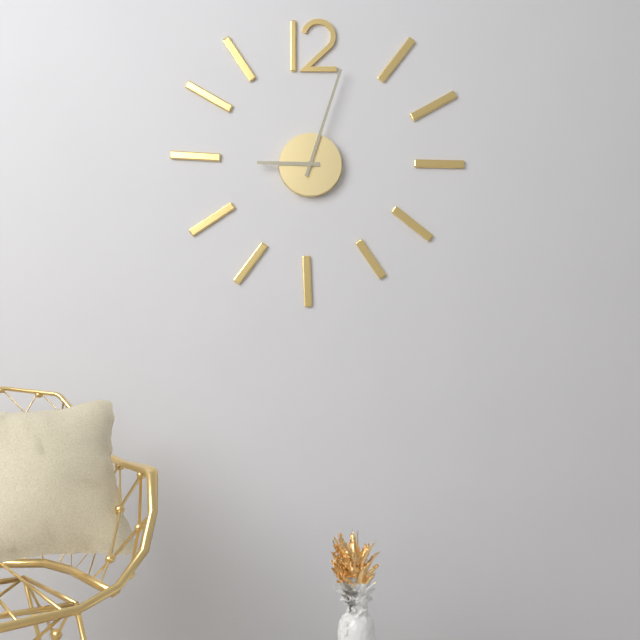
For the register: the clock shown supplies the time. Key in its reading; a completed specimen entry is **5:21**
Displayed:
**9:03**
